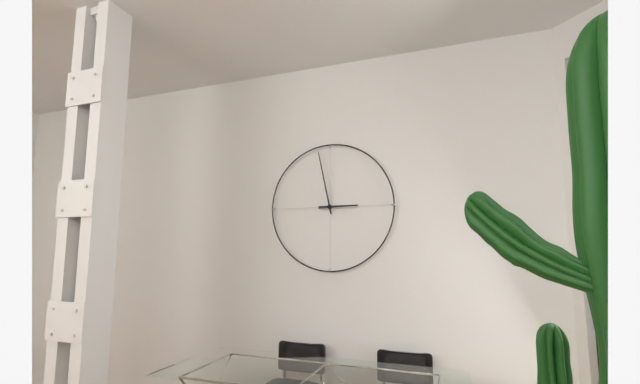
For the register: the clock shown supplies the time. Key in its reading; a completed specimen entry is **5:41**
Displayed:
**2:58**
